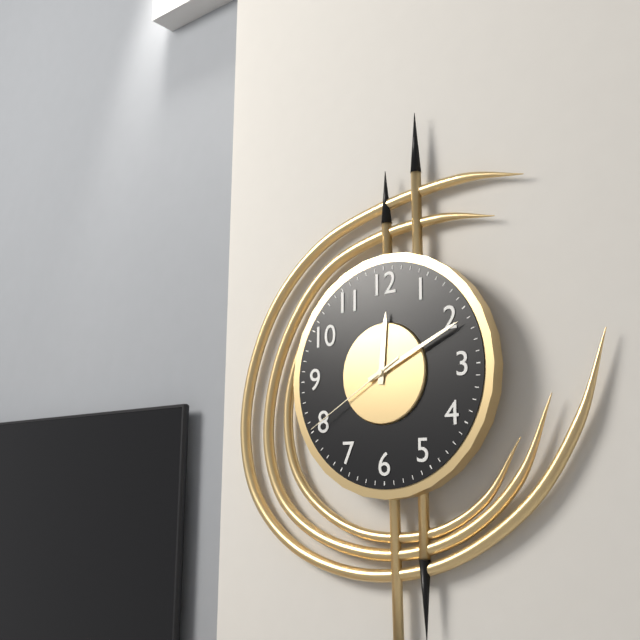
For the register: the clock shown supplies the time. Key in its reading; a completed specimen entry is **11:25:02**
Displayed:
**12:11:40**
